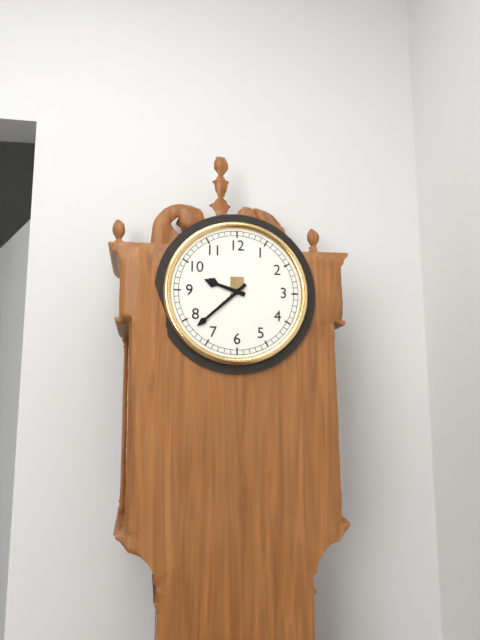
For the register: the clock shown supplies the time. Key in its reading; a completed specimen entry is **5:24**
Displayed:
**9:38**
